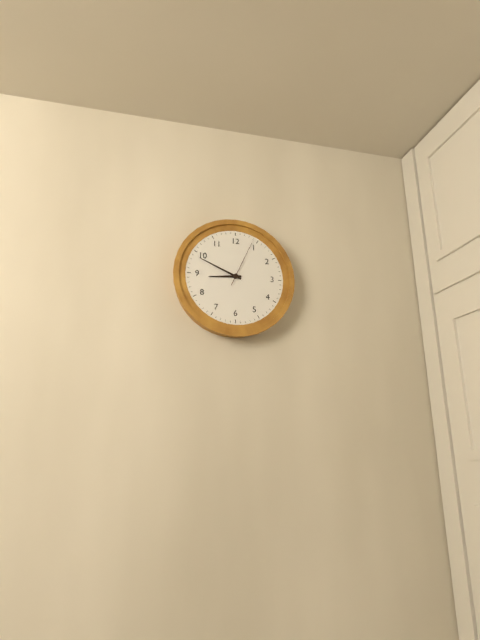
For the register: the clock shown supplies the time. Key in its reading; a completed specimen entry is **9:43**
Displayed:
**8:49**
